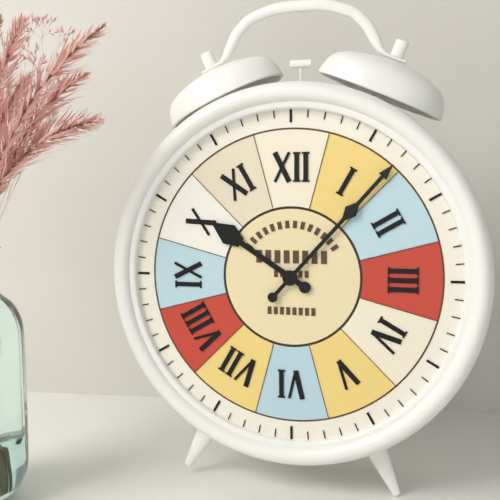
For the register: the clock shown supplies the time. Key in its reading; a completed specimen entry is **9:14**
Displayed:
**10:07**
